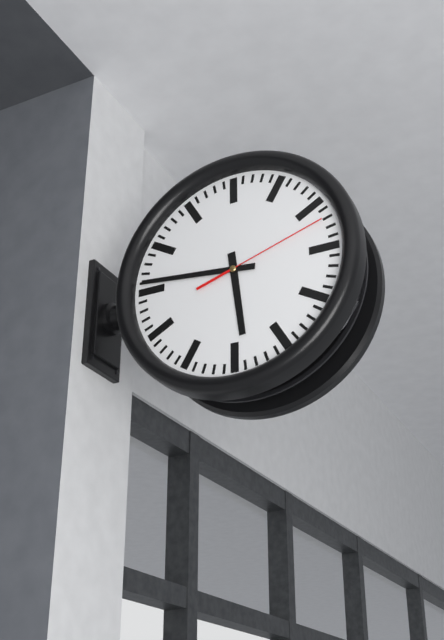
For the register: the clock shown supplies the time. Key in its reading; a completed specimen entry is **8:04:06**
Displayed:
**5:46:12**
